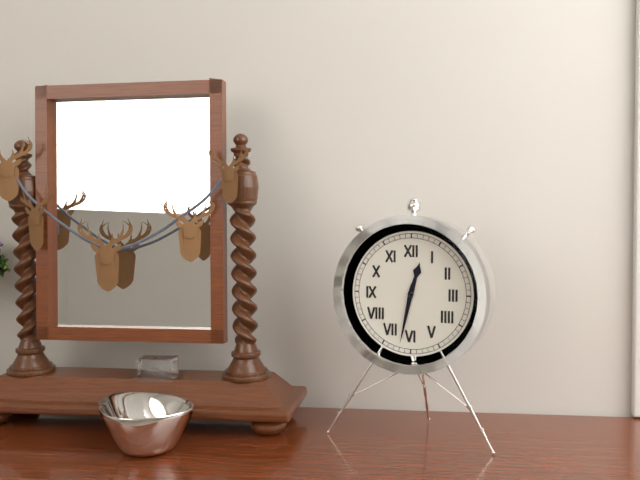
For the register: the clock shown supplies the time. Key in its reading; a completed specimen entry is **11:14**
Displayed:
**12:32**
